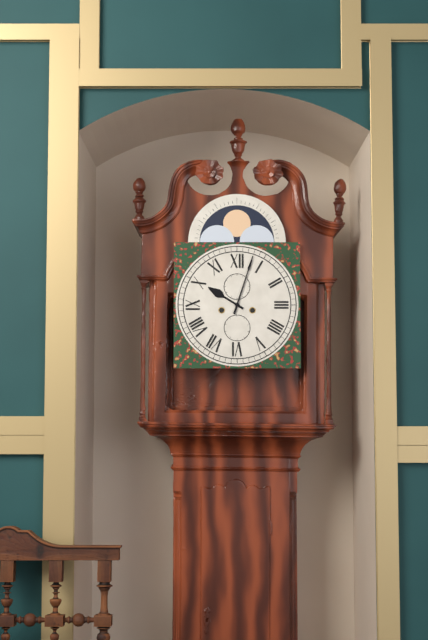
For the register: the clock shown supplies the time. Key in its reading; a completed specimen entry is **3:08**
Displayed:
**10:03**
